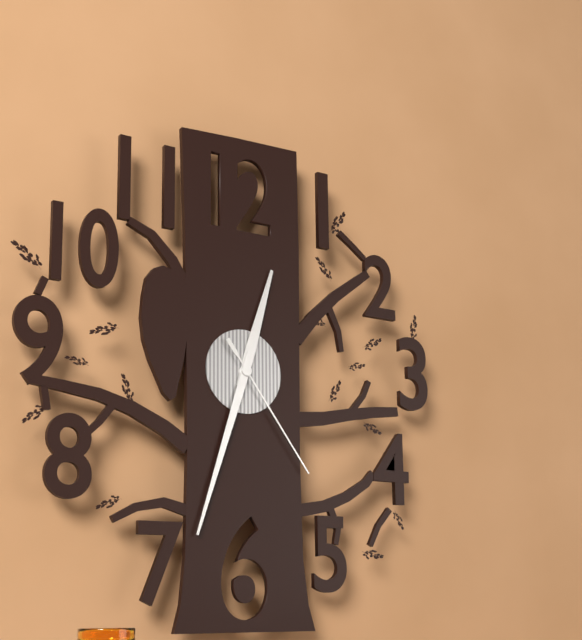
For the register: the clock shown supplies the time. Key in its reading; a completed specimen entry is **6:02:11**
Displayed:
**12:33:24**
